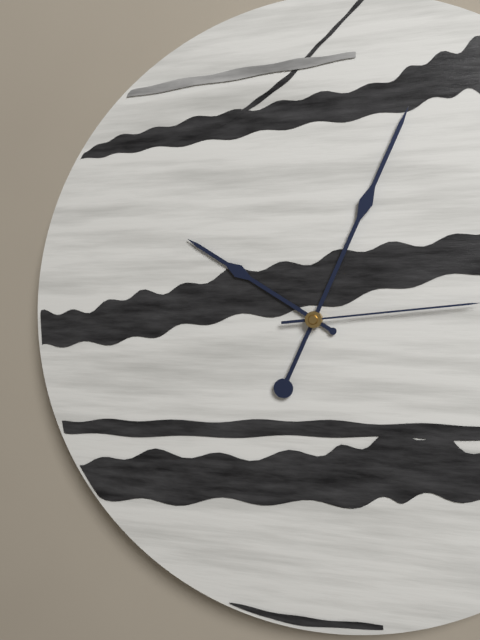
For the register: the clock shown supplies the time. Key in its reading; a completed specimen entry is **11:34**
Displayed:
**10:04**
